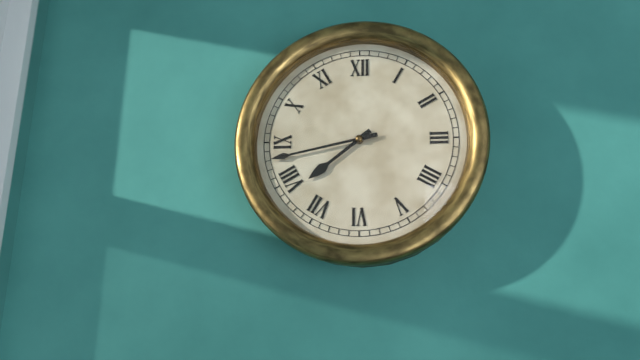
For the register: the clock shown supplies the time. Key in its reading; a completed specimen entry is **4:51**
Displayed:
**7:43**
